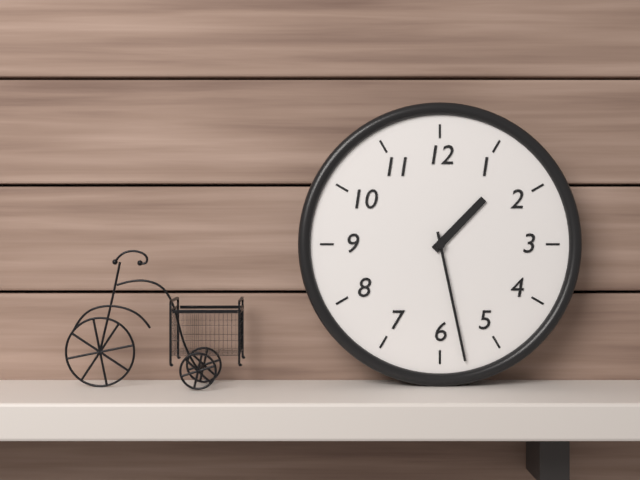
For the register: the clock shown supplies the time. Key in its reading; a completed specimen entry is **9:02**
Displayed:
**1:28**
